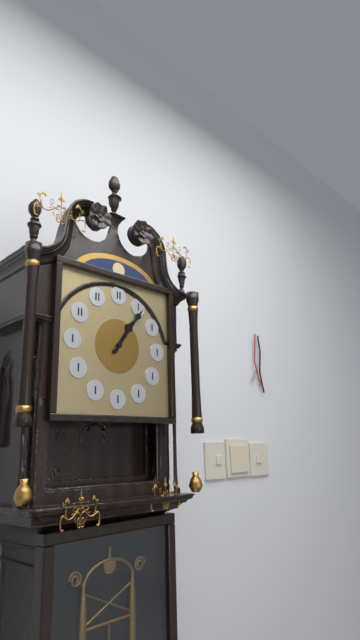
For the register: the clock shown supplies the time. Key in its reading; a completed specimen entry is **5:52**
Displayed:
**1:06**
